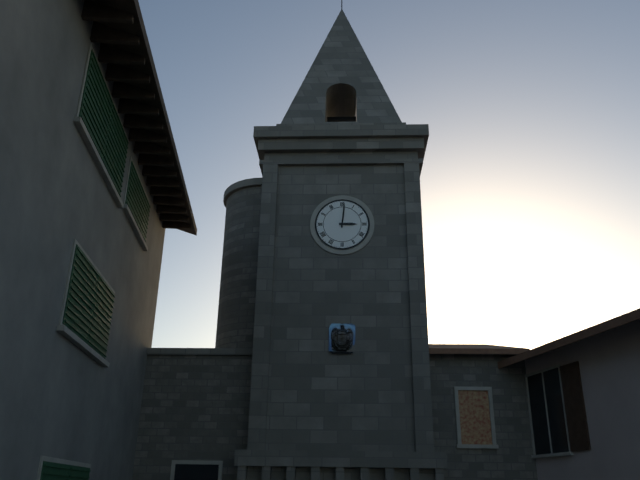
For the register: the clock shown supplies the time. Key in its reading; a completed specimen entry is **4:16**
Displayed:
**3:01**
